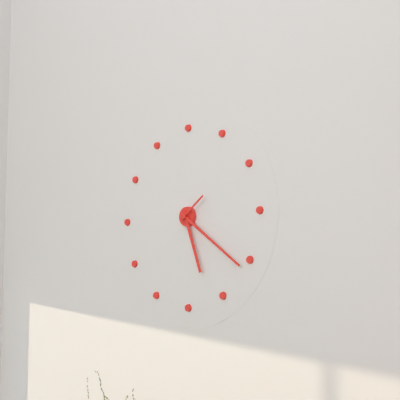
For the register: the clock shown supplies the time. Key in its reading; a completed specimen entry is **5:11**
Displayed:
**5:21**
